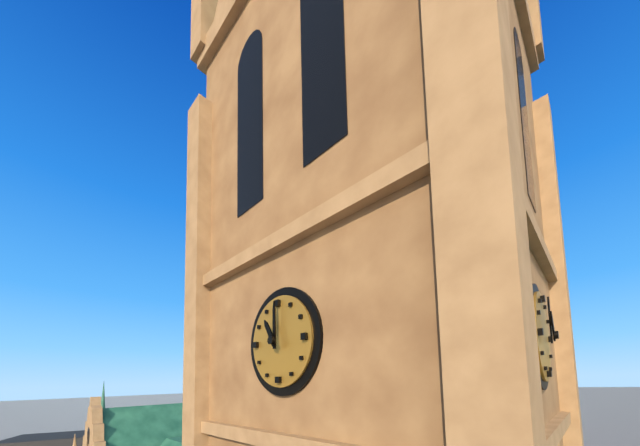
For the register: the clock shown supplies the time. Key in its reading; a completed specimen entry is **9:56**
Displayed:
**11:00**
